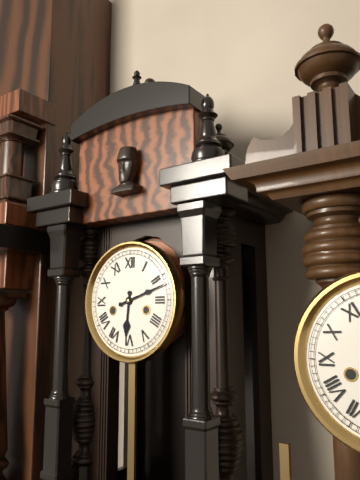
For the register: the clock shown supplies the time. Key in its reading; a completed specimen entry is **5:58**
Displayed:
**6:12**
